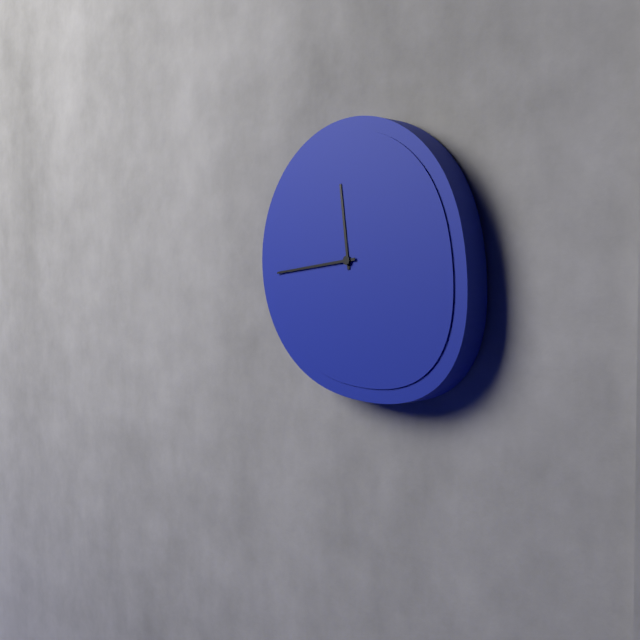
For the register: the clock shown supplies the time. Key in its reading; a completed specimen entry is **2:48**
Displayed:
**11:44**
